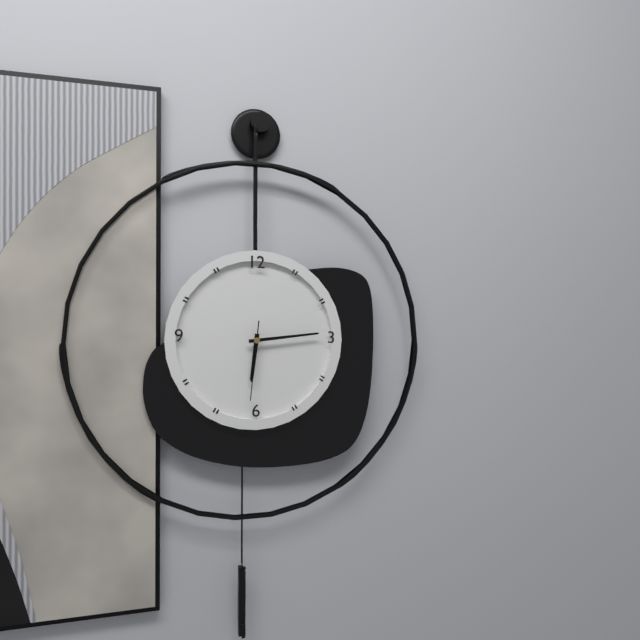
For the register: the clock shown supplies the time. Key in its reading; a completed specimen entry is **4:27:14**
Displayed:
**6:14:31**
